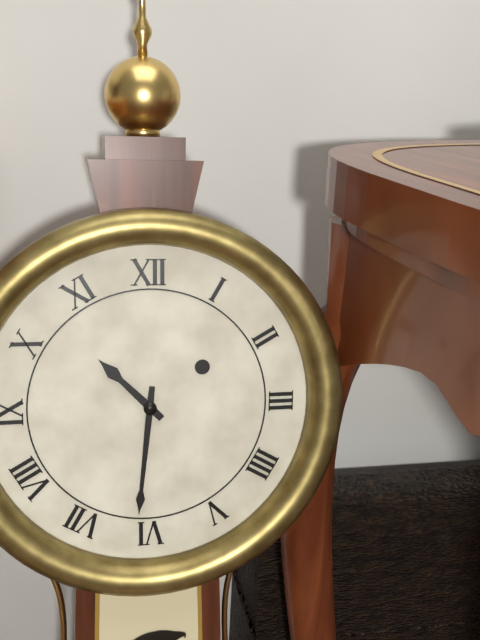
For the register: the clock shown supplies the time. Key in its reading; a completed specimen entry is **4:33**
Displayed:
**10:31**
